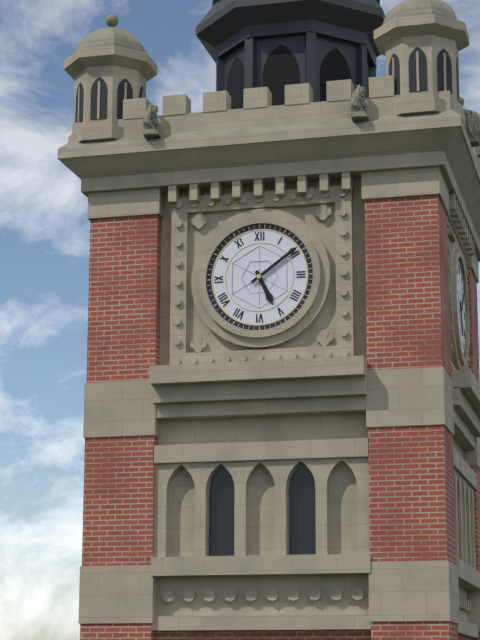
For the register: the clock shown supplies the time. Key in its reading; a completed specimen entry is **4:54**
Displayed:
**5:09**
